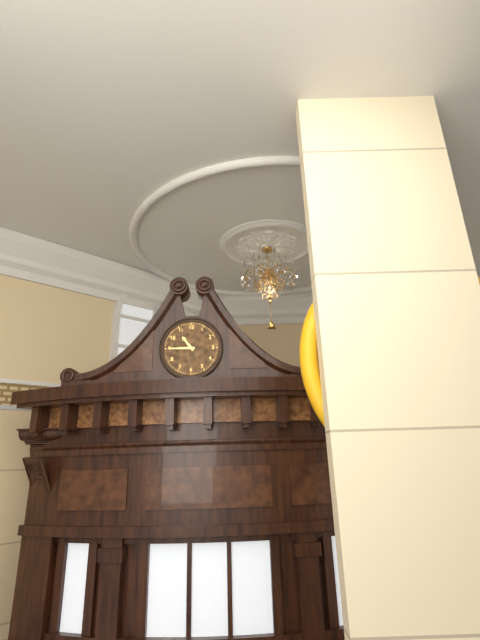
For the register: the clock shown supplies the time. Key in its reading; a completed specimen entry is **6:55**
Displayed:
**10:45**
